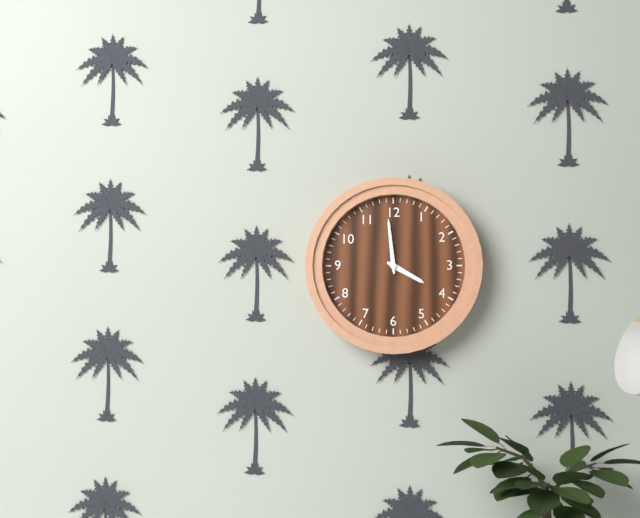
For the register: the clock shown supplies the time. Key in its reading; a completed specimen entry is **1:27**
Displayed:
**3:59**
